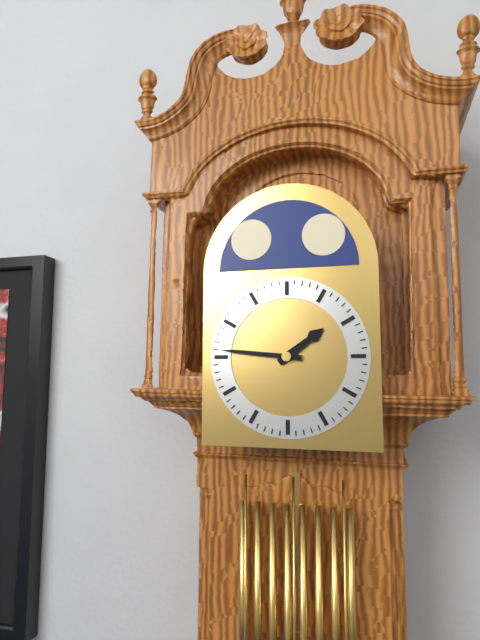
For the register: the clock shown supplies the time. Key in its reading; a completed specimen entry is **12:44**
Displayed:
**1:46**
